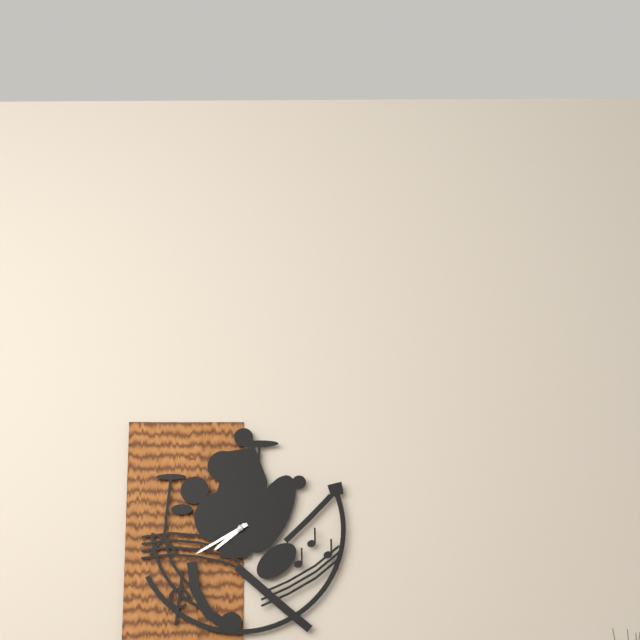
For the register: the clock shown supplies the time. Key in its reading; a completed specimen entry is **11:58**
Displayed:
**7:40**
